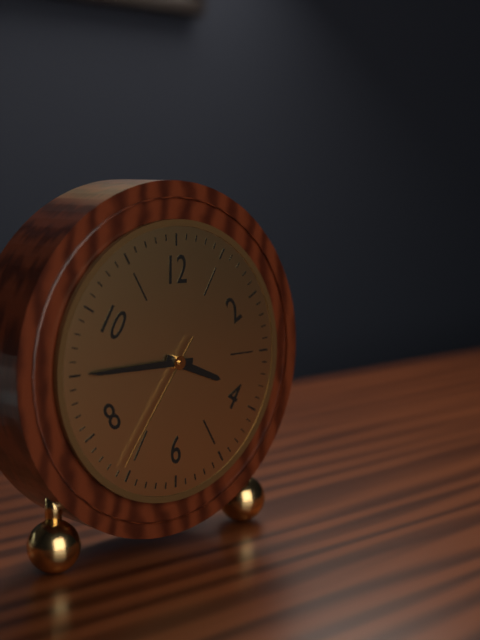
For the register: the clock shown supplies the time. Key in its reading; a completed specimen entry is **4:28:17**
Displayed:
**3:45:36**
